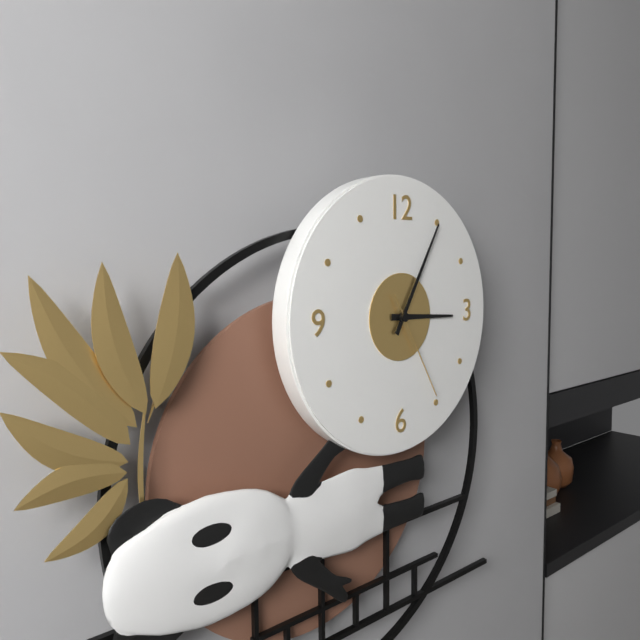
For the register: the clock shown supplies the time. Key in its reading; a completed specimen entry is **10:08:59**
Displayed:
**3:05:25**
